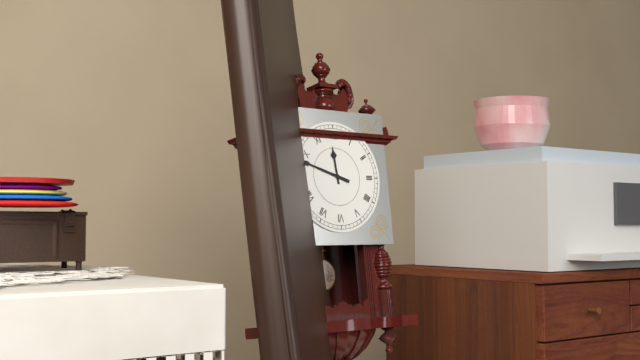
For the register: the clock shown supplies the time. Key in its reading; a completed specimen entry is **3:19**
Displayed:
**11:48**
